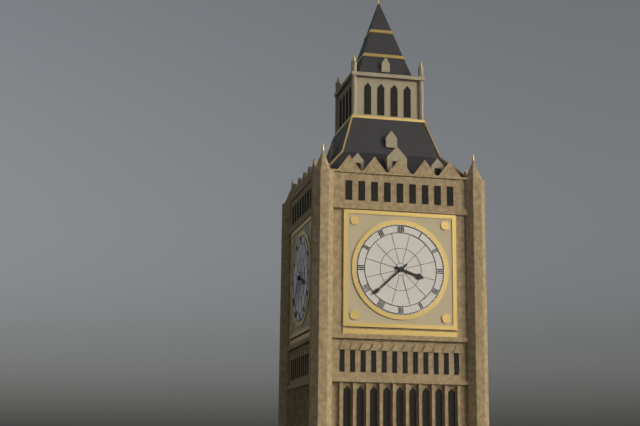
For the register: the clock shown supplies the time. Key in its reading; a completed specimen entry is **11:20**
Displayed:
**3:38**
